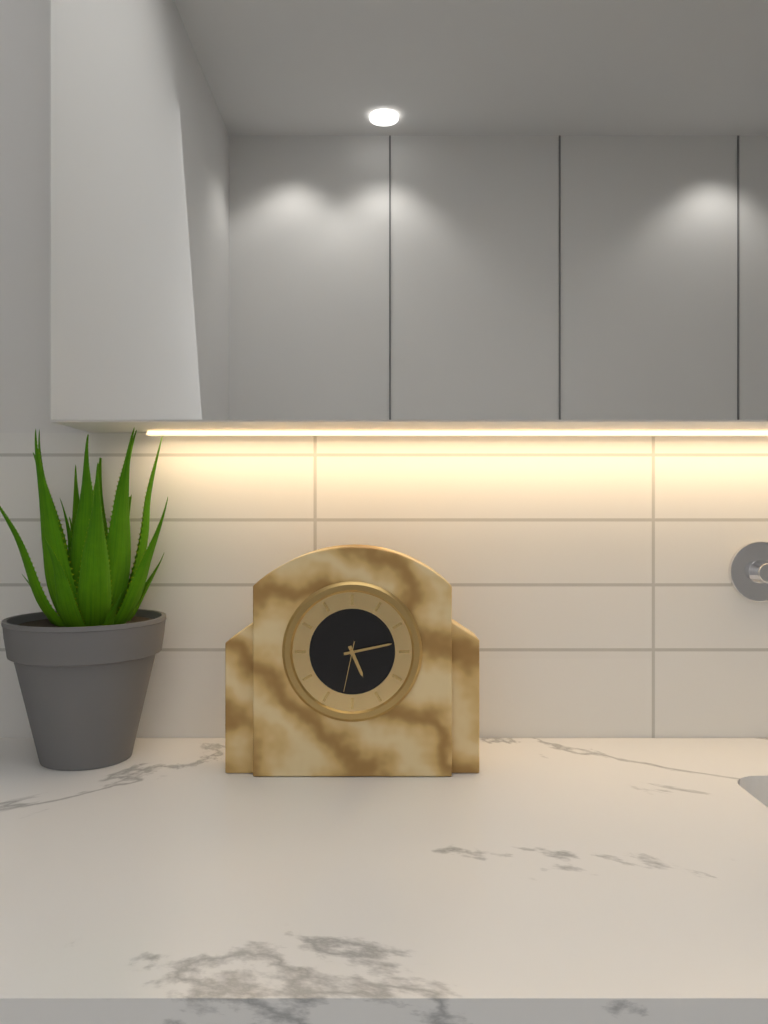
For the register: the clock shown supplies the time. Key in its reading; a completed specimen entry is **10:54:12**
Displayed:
**5:13:32**
